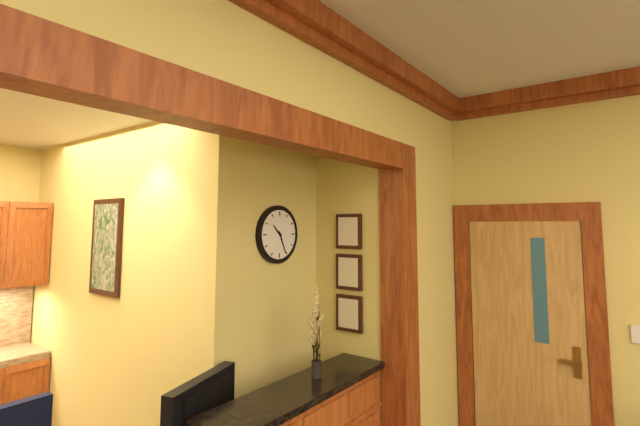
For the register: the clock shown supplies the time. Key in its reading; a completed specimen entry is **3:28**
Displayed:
**10:26**
